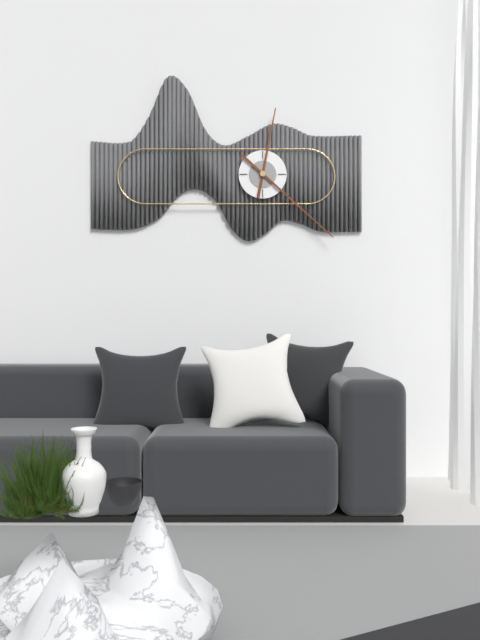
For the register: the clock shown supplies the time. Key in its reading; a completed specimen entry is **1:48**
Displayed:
**12:22**
